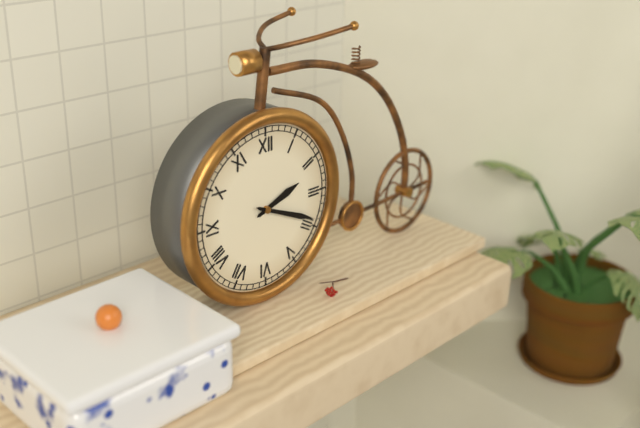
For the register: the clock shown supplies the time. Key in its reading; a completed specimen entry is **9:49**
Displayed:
**2:19**
